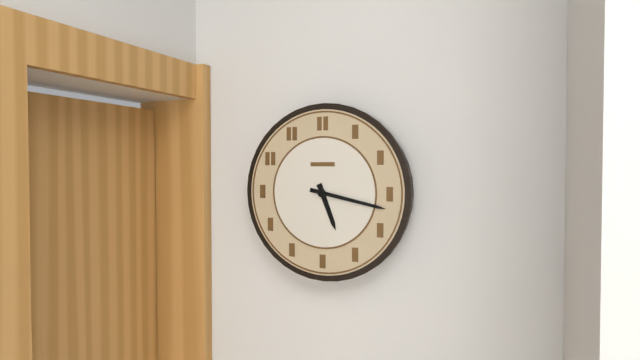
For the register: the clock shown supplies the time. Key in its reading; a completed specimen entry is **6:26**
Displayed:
**5:17**
